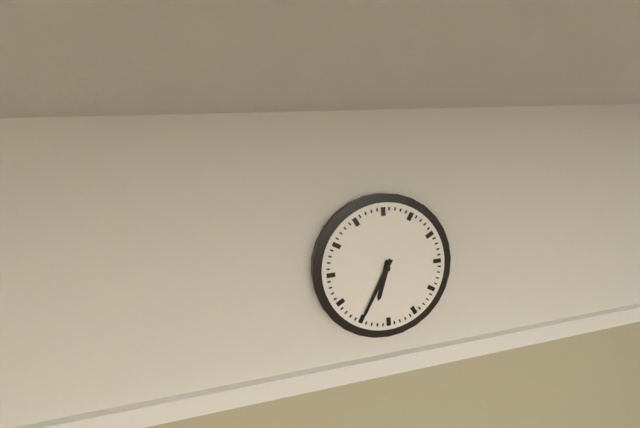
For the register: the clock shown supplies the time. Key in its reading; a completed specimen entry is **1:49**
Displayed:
**6:35**
